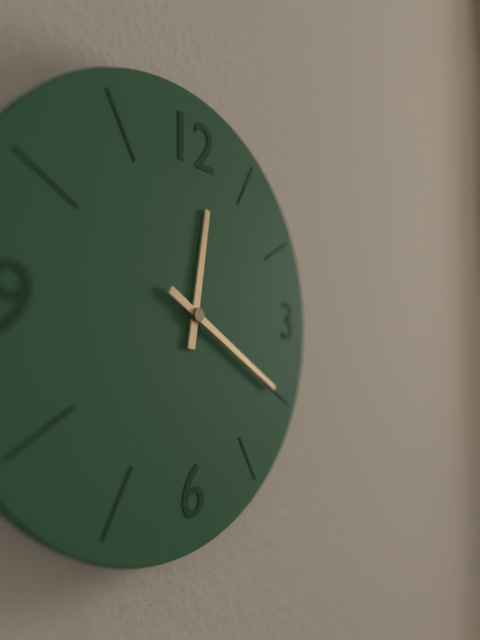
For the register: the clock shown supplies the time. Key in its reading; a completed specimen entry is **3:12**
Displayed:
**12:20**
